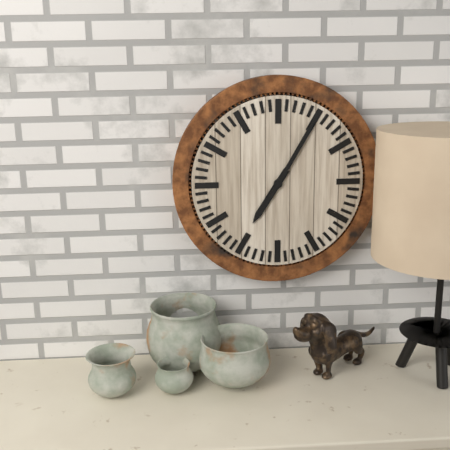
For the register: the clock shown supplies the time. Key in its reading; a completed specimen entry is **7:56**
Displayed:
**7:05**
